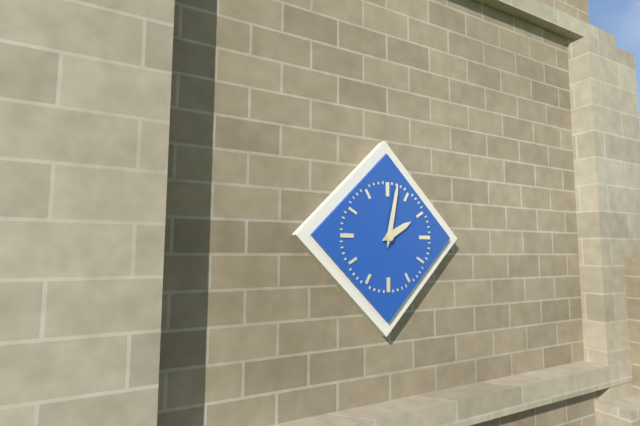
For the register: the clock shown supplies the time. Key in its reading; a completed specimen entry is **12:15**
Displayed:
**2:02**
